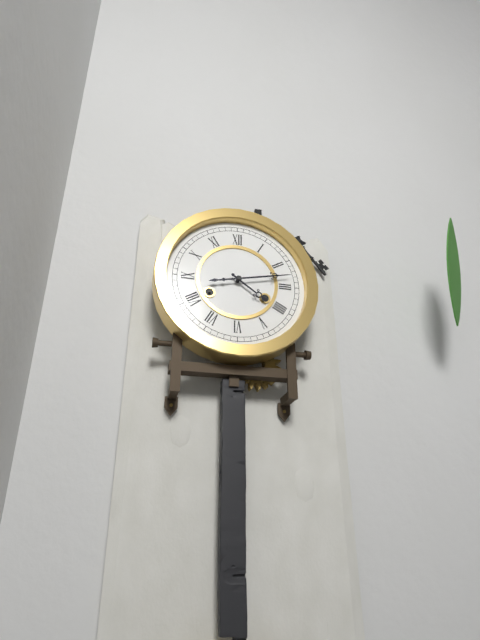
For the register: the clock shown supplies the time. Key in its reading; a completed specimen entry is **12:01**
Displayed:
**4:13**
